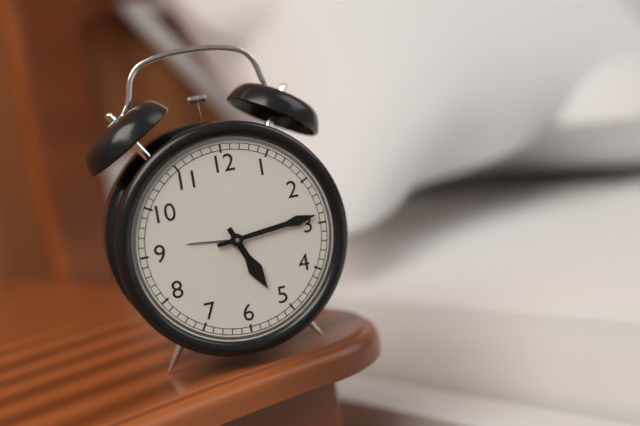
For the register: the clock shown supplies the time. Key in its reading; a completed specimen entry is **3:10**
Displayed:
**5:14**
